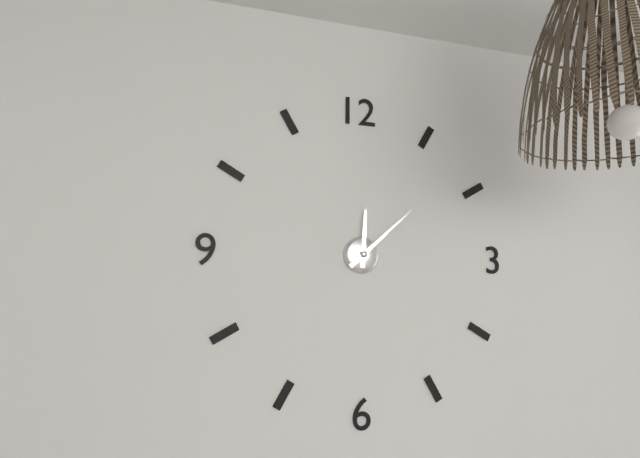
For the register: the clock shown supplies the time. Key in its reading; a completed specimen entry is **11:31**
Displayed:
**12:08**
